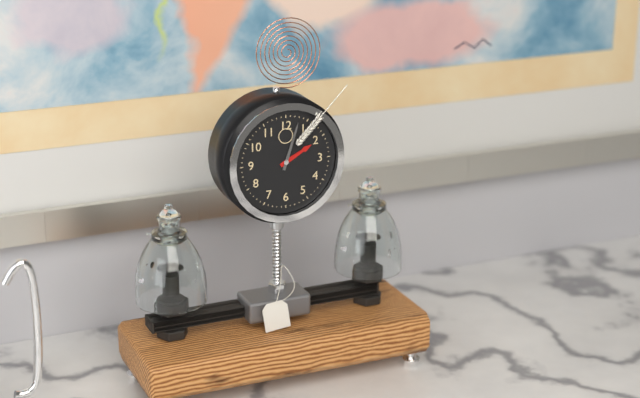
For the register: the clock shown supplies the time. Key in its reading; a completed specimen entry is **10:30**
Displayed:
**2:03**
